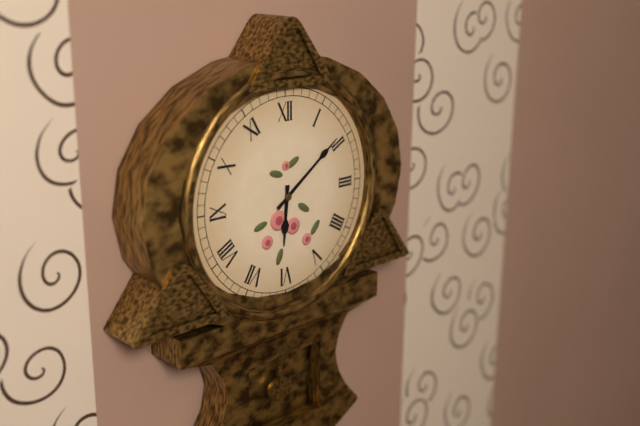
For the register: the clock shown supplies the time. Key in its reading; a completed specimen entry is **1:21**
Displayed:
**6:09**
